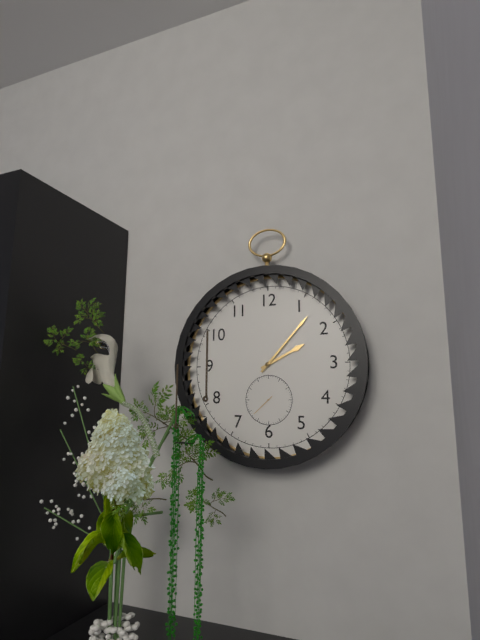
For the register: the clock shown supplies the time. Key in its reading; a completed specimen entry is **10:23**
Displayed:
**2:07**
